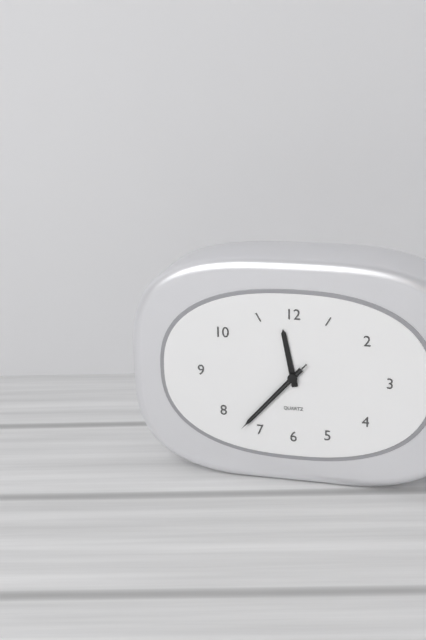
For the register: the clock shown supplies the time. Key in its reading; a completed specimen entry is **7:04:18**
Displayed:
**11:37:37**
